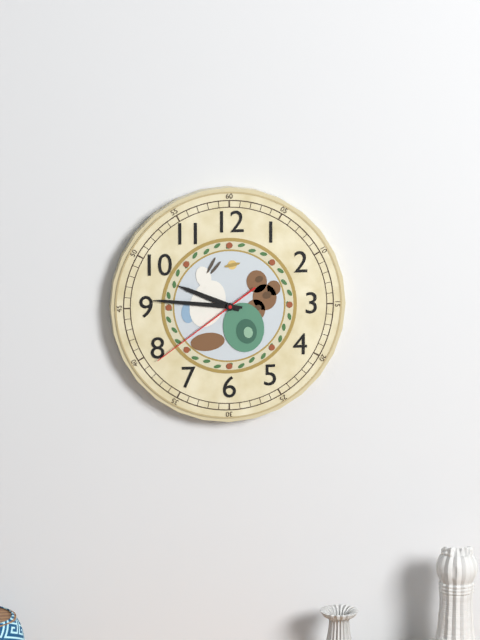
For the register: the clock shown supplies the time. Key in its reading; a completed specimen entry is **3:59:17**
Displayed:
**9:46:39**
